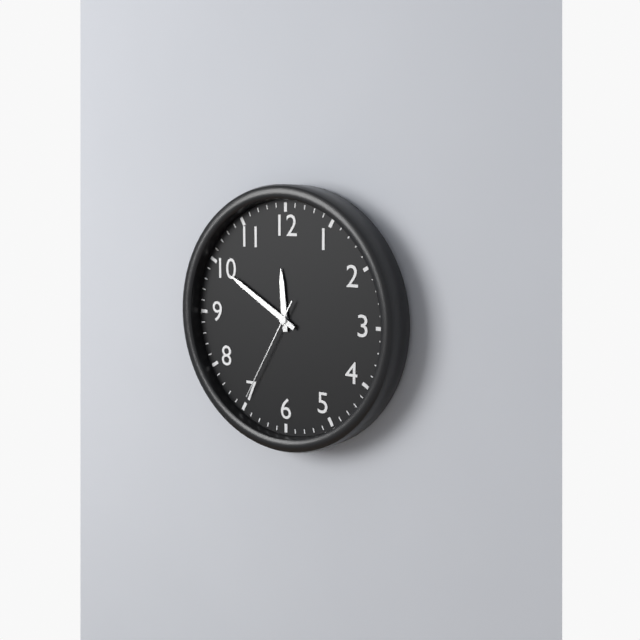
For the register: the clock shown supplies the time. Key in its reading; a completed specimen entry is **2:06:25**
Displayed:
**11:50:35**
